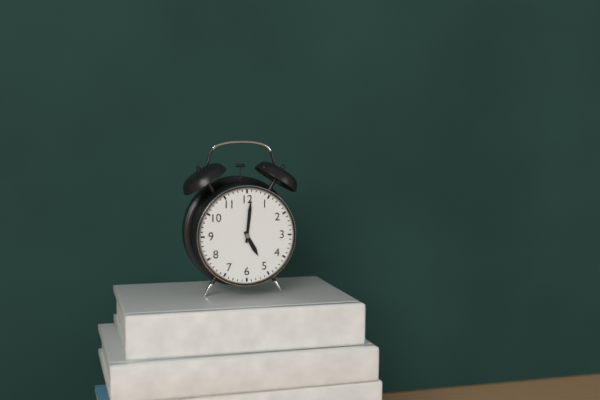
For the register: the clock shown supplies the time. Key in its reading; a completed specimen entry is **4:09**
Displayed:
**5:01**
